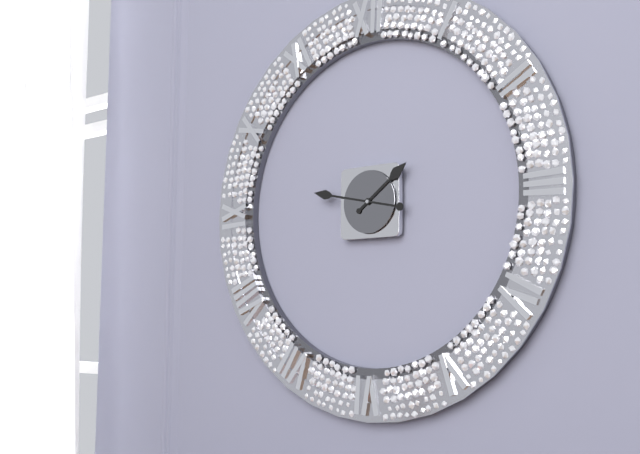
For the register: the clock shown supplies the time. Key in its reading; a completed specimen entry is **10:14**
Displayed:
**1:47**
